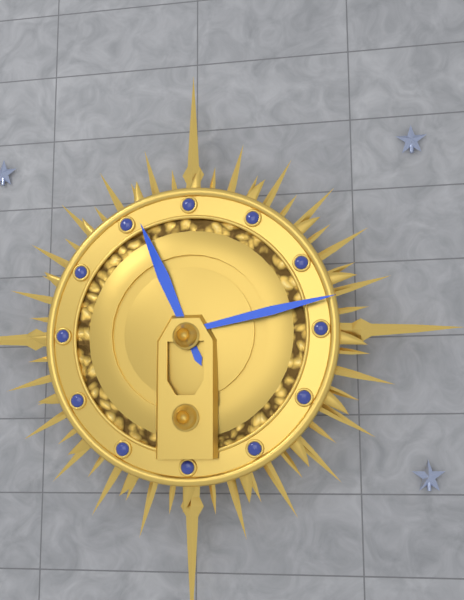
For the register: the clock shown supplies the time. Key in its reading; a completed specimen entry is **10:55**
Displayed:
**11:13**
